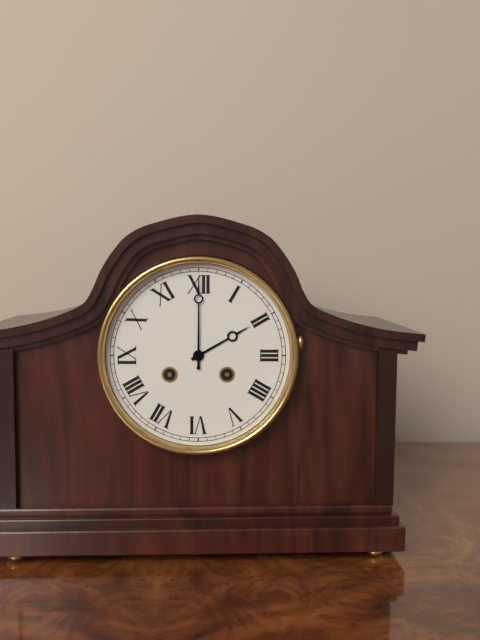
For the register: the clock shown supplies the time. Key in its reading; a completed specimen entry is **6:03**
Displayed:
**2:00**
